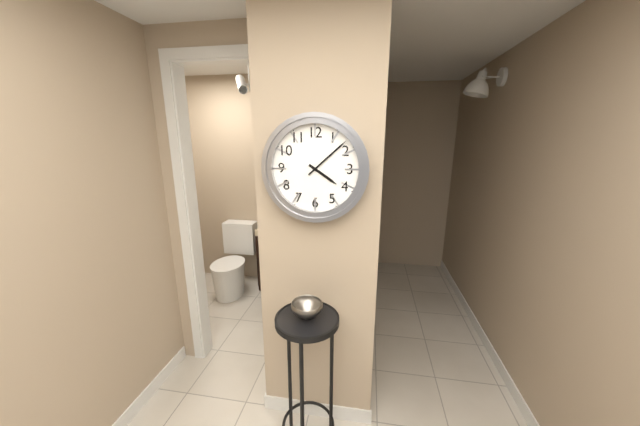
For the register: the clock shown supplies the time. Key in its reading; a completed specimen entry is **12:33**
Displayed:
**4:08**
